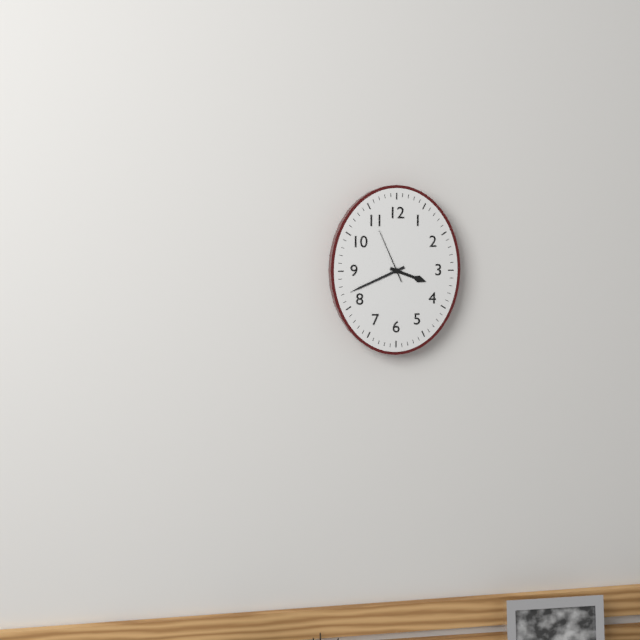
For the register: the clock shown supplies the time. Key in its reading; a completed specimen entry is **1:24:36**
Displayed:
**3:41:56**
